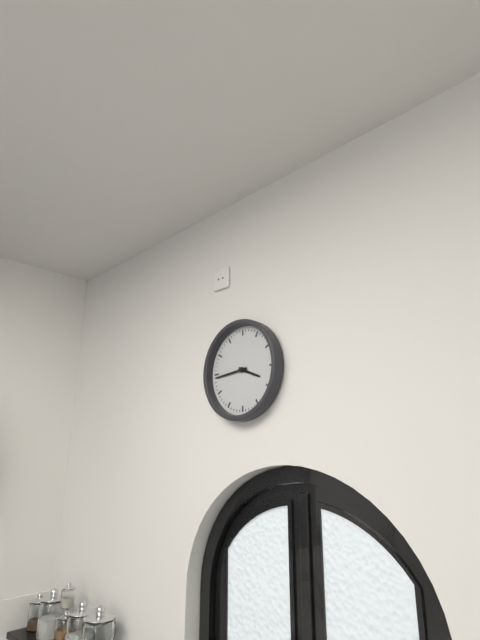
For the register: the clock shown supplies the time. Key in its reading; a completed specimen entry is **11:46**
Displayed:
**3:44**
